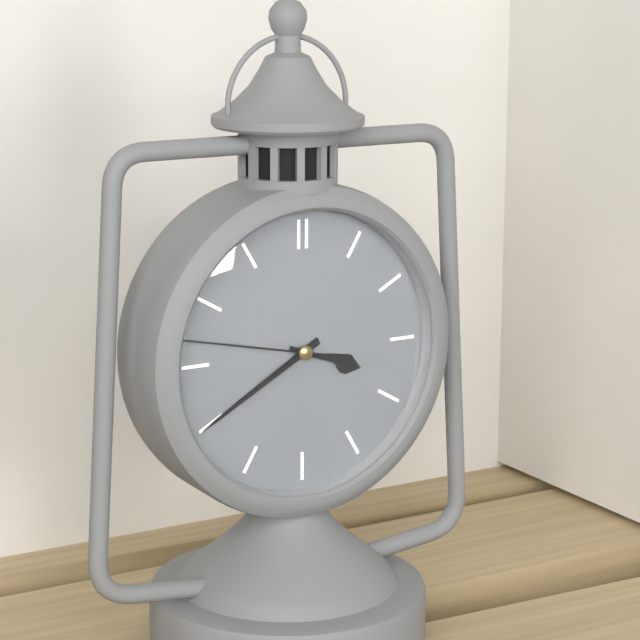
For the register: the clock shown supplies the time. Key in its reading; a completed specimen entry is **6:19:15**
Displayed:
**3:40:47**
